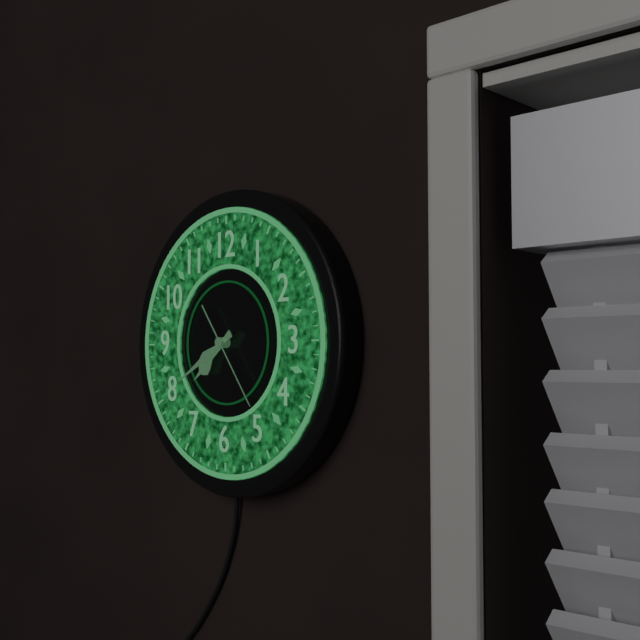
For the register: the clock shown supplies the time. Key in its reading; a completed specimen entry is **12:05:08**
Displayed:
**7:40:24**
